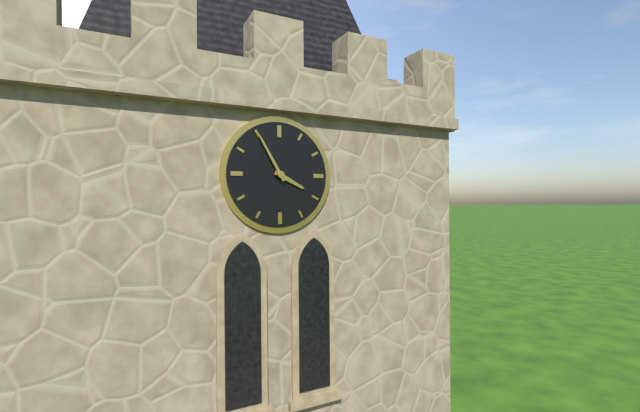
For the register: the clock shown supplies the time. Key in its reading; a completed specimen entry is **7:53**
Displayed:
**3:55**
